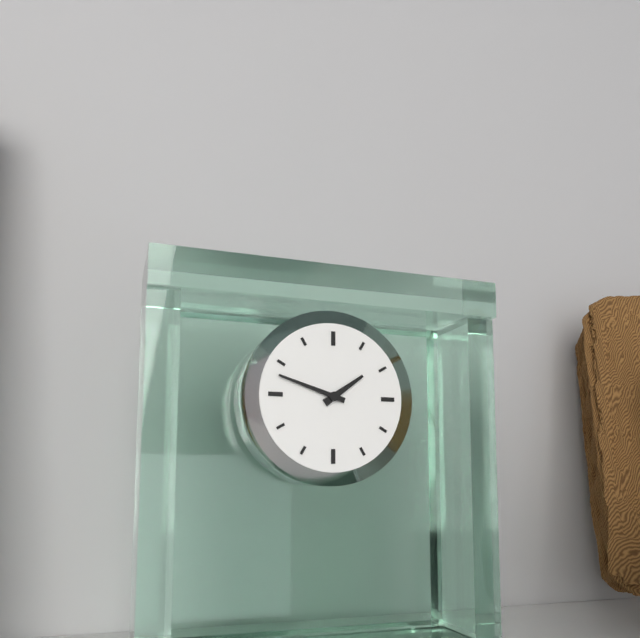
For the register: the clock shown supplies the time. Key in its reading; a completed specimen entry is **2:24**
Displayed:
**1:48**
